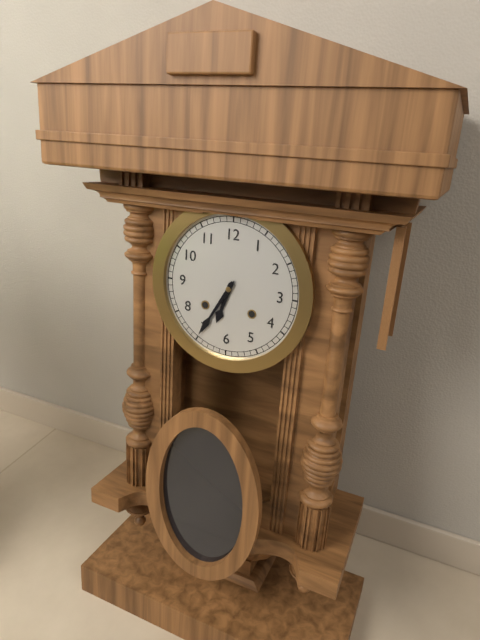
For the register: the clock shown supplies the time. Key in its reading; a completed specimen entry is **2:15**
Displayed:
**6:35**
